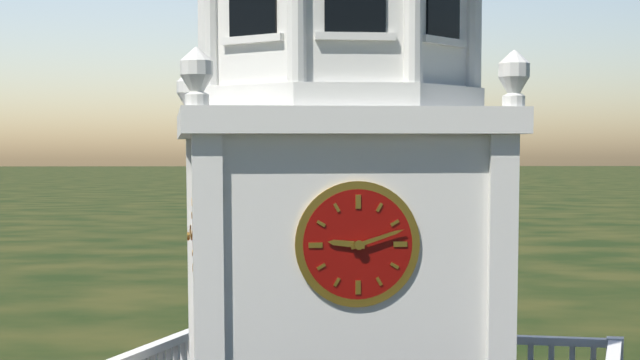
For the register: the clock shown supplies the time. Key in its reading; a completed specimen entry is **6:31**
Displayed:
**9:12**
